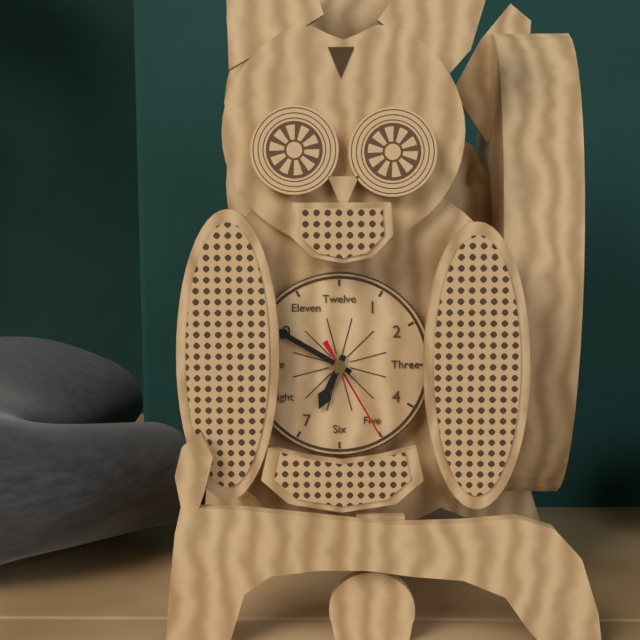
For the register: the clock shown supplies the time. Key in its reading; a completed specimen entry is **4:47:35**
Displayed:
**6:50:25**
